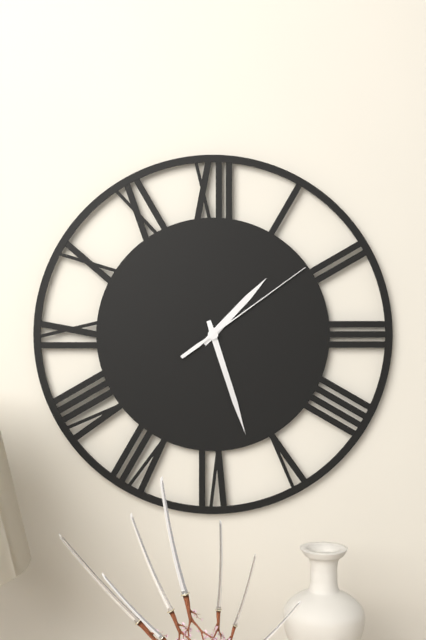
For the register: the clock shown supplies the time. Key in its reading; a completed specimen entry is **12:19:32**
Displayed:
**1:27:09**
